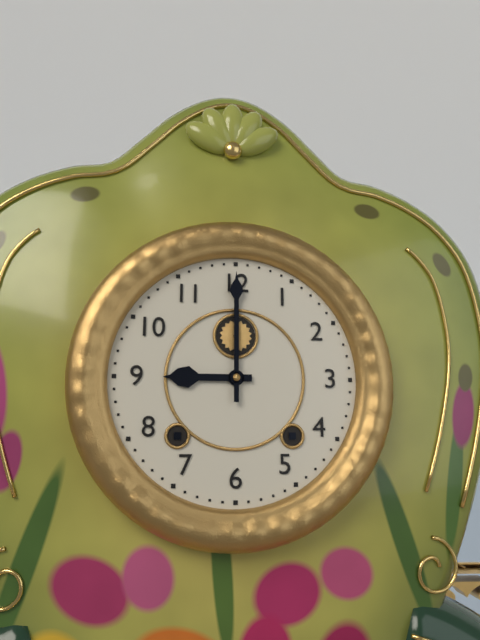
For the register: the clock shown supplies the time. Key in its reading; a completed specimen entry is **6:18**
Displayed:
**9:00**
